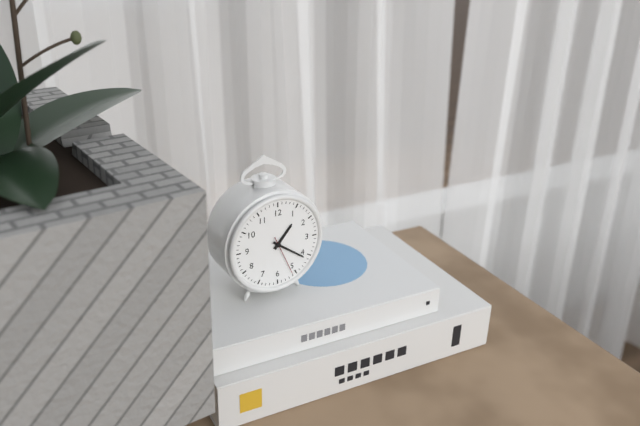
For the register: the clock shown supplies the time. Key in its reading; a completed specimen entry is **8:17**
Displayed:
**1:21**
